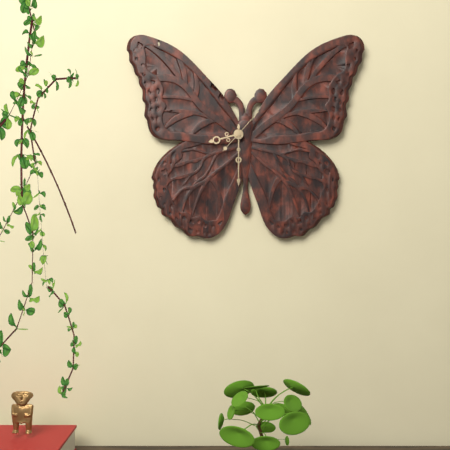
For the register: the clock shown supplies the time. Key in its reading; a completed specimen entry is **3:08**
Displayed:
**8:30**
